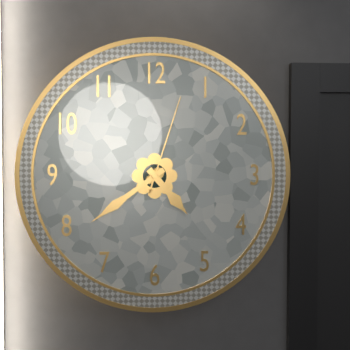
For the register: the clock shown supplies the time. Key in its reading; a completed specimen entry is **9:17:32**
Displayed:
**4:39:03**
